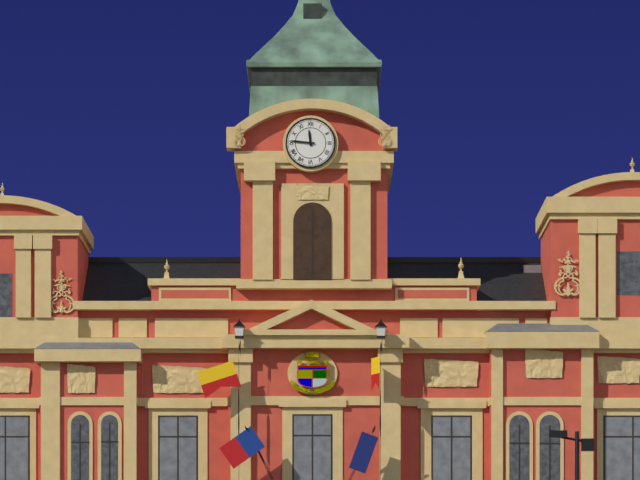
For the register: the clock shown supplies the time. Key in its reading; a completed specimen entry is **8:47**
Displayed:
**11:46**
